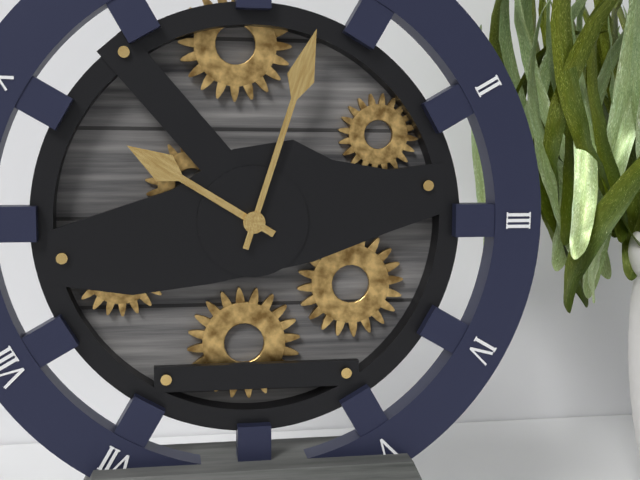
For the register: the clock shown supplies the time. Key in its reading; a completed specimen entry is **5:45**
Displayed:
**10:03**
